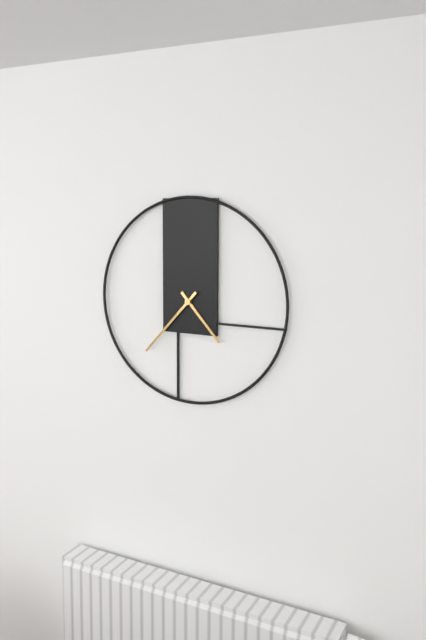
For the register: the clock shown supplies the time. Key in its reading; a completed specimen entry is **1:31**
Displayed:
**4:37**
